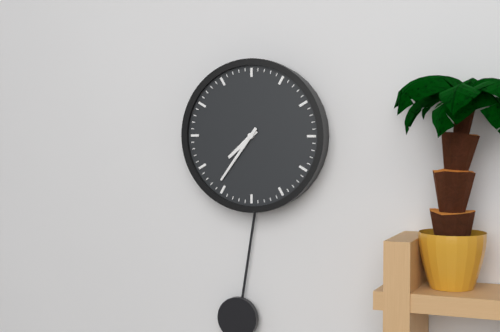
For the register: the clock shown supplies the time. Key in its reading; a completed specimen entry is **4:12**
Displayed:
**7:36**
